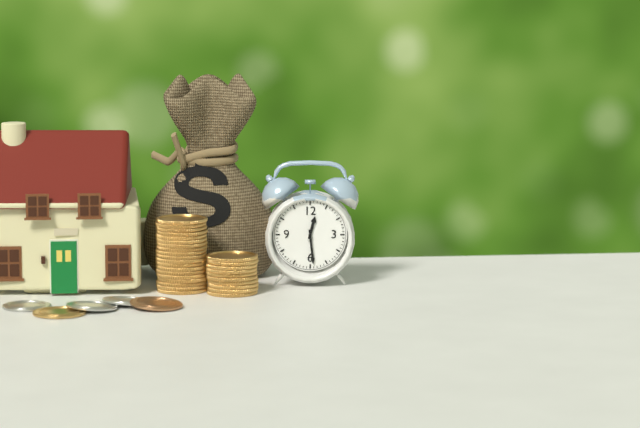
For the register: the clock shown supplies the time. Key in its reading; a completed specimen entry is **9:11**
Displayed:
**12:29**
